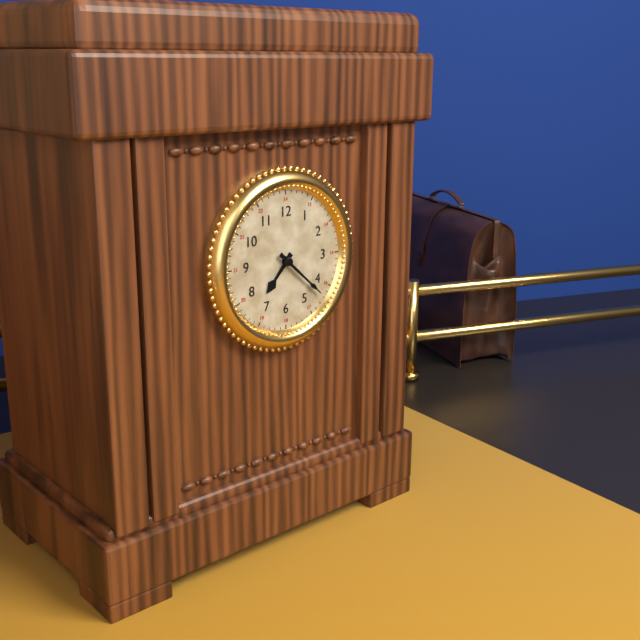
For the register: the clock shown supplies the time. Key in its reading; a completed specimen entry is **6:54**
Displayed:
**7:22**
